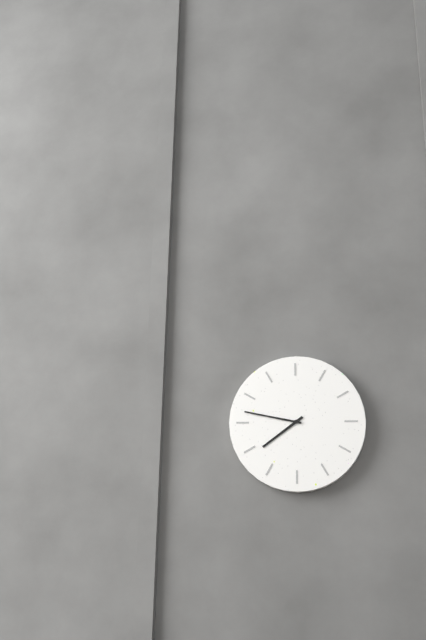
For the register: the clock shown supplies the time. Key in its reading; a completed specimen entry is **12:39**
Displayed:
**7:47**
